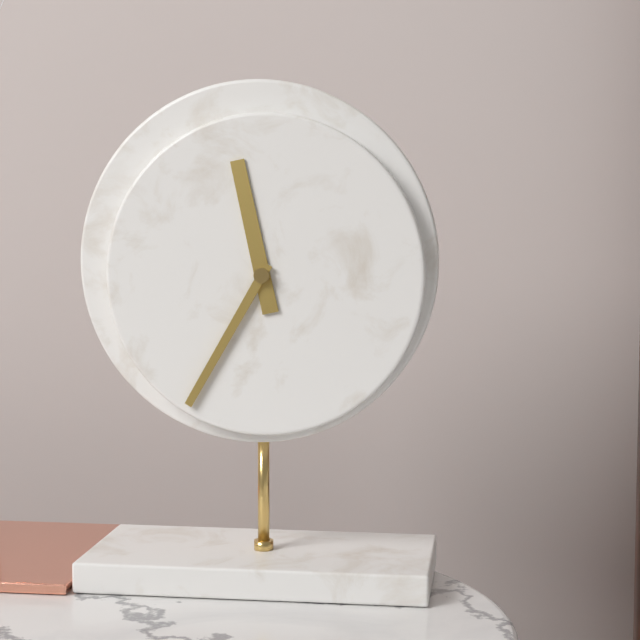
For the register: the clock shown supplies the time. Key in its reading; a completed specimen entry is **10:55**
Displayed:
**11:35**
